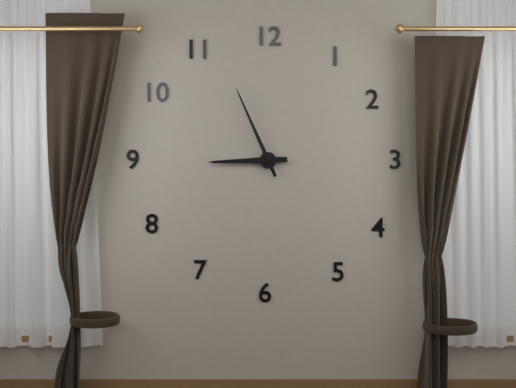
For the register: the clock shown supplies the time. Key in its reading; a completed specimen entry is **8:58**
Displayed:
**8:56**
